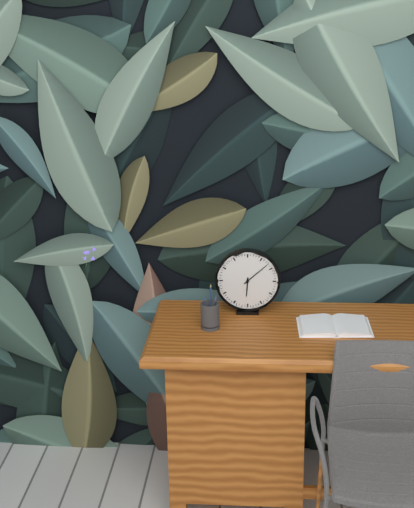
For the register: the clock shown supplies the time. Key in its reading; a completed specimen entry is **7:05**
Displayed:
**6:08**
